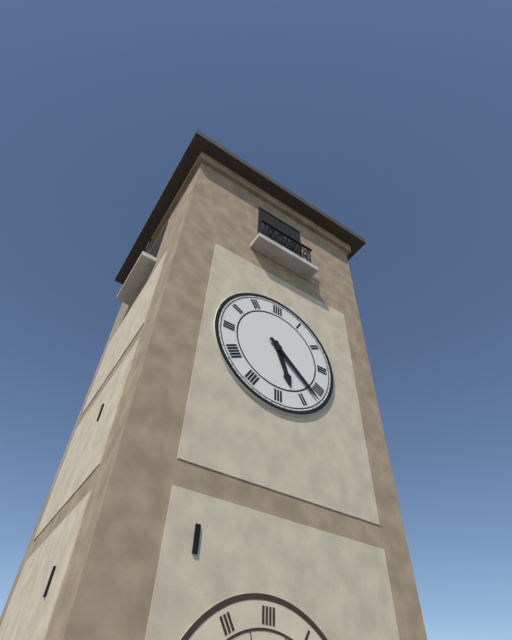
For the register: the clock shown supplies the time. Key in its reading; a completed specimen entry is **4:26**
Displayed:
**5:22**
